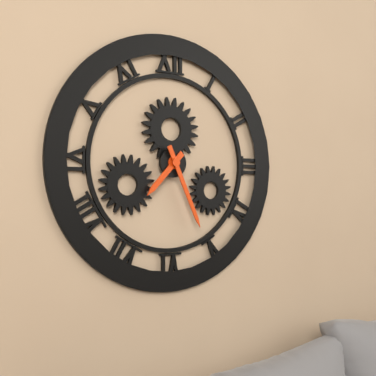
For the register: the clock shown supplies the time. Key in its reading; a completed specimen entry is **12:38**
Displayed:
**7:26**
